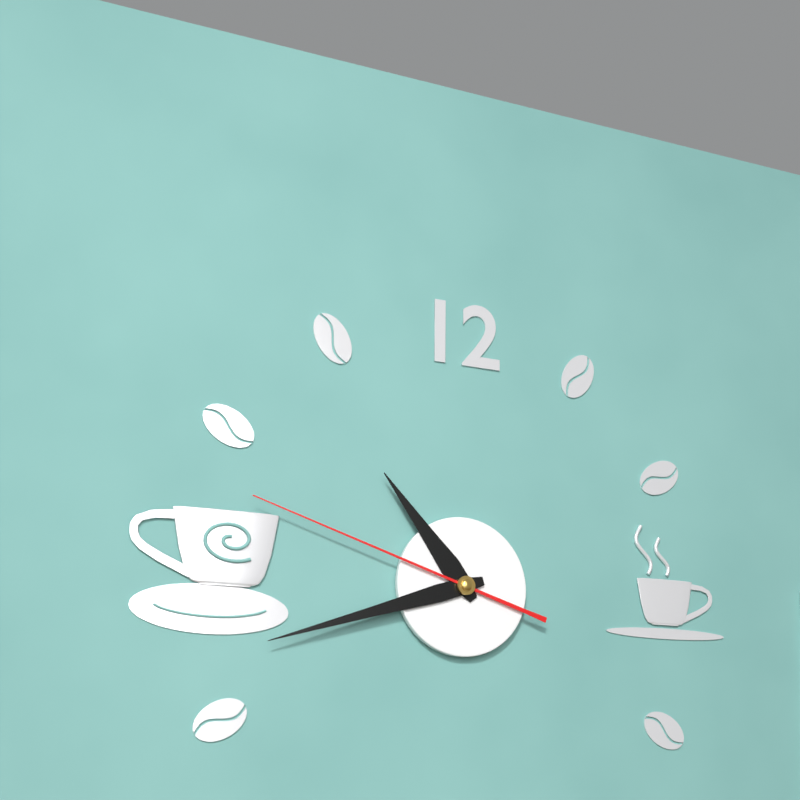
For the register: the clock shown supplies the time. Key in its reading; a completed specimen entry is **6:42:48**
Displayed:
**10:42:48**
